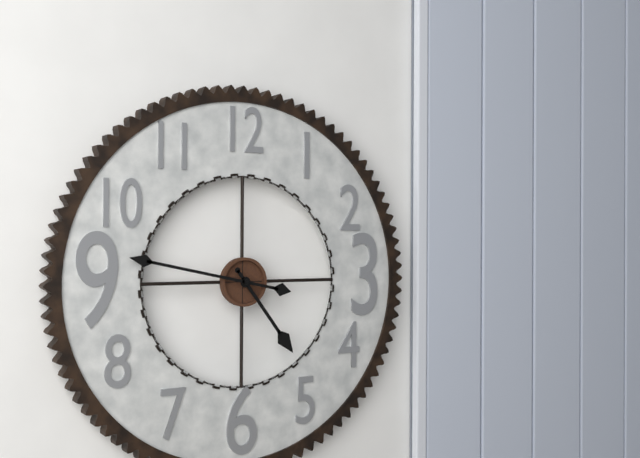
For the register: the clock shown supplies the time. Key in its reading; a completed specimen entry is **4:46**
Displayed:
**4:47**
